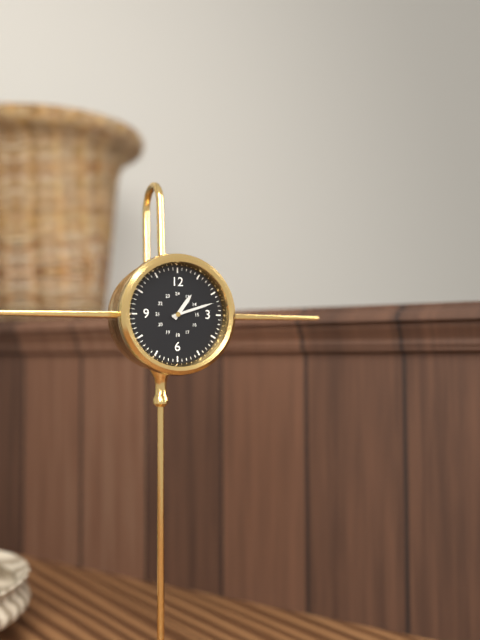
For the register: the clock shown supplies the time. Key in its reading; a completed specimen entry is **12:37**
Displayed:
**1:12**
